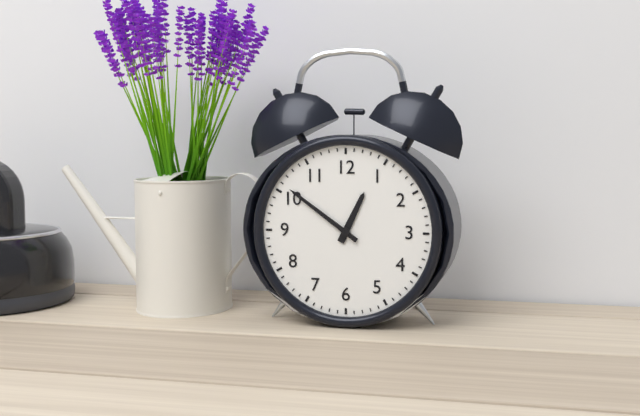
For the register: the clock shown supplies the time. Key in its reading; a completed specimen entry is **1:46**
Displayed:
**12:51**
